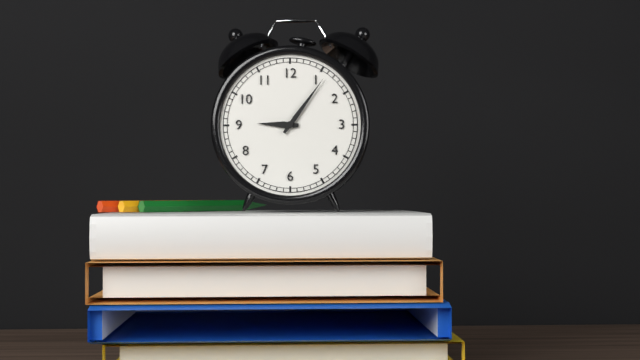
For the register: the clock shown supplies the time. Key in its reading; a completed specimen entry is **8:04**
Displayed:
**9:06**
